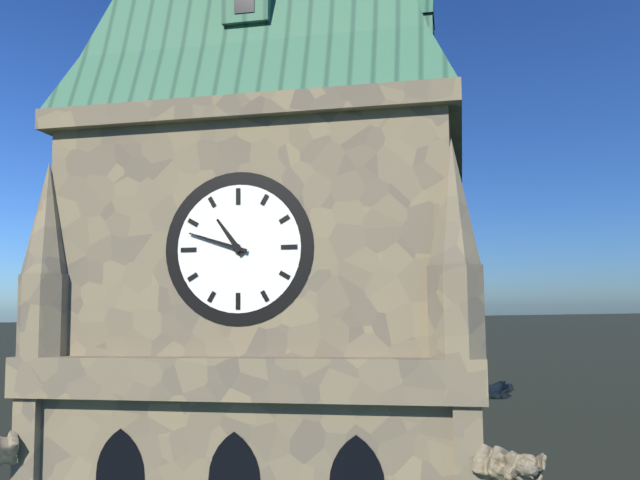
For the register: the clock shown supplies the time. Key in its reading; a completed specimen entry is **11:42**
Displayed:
**10:48**
